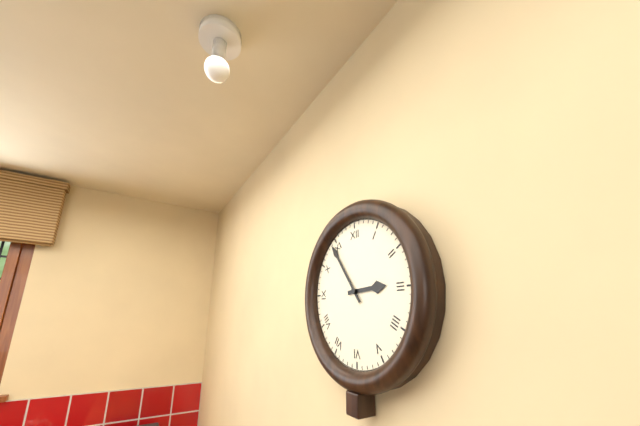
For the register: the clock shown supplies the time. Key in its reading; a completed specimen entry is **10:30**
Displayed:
**2:54**
